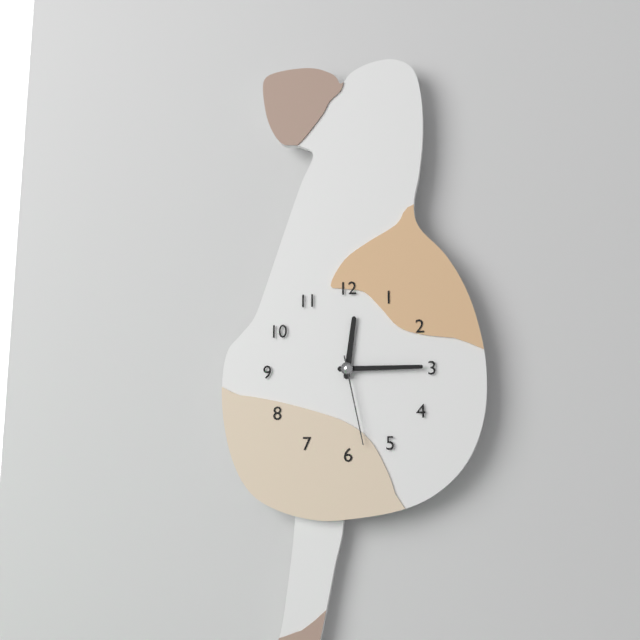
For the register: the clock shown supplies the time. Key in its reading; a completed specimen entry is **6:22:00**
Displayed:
**12:15:28**
